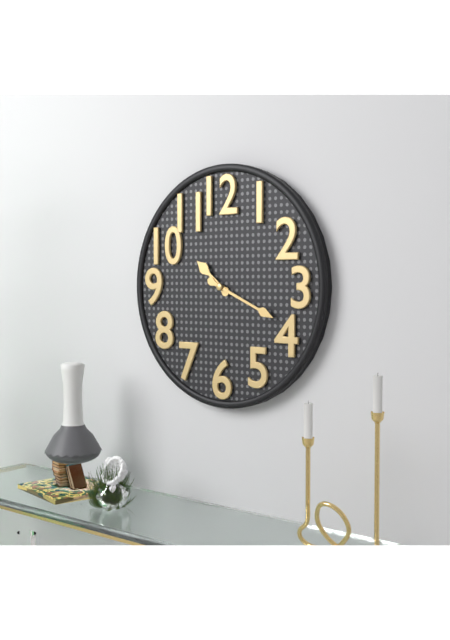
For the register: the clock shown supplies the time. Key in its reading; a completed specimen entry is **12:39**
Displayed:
**10:19**
